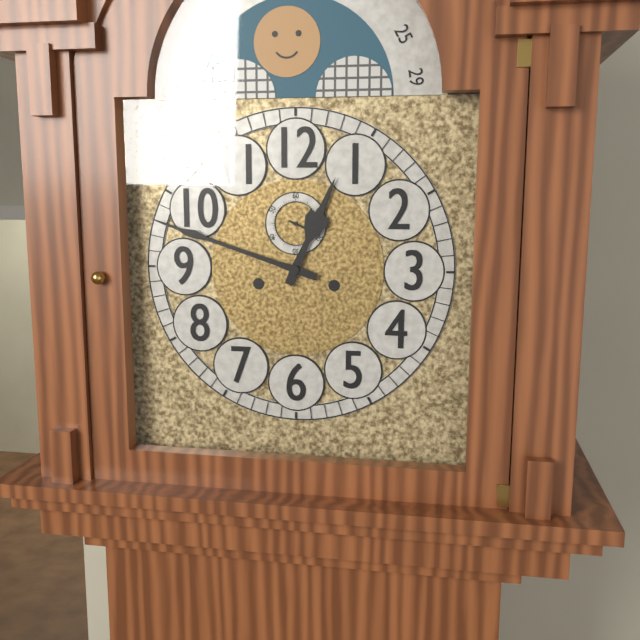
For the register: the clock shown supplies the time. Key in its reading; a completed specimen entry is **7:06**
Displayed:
**12:48**
